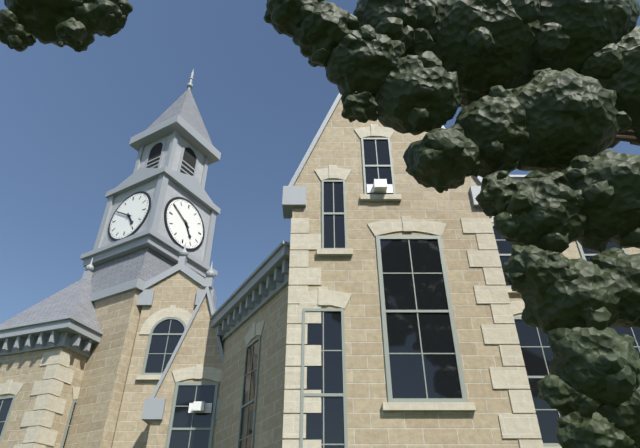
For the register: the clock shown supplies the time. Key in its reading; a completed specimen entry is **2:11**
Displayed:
**4:50**
